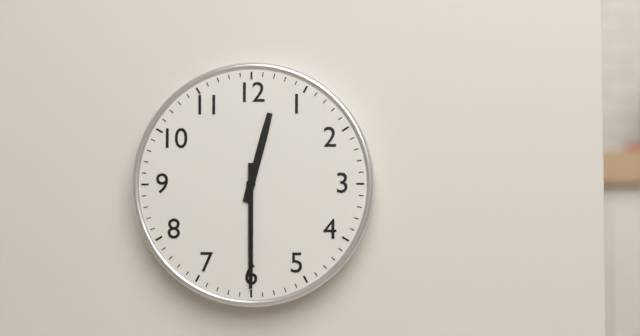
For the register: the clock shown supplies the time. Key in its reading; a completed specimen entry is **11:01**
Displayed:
**12:30**
